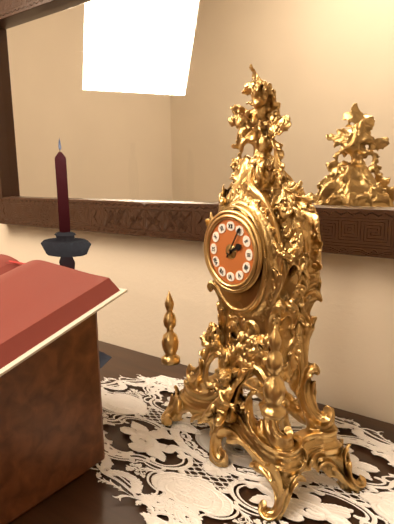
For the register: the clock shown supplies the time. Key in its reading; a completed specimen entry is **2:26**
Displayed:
**2:05**
